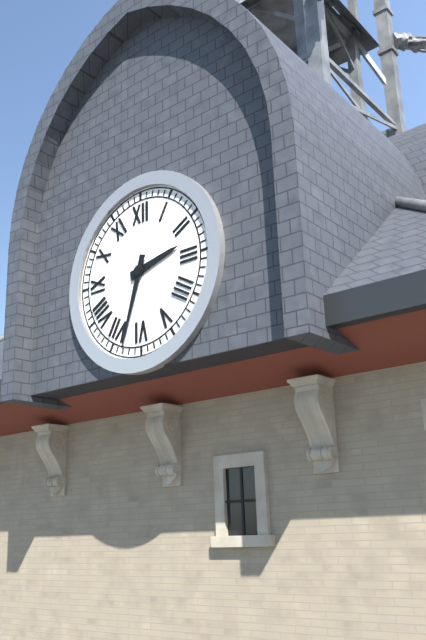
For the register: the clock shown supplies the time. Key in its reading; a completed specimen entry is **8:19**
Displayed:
**2:33**
